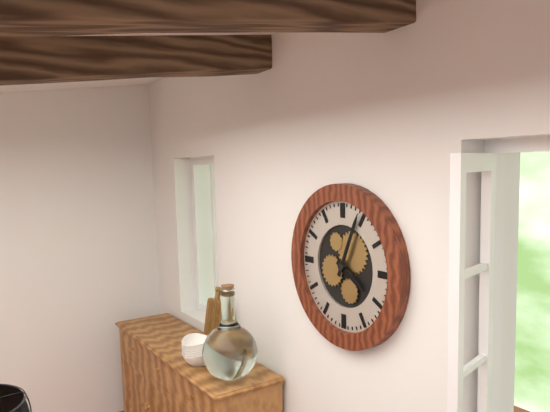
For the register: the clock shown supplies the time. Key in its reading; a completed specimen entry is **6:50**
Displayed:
**4:04**
